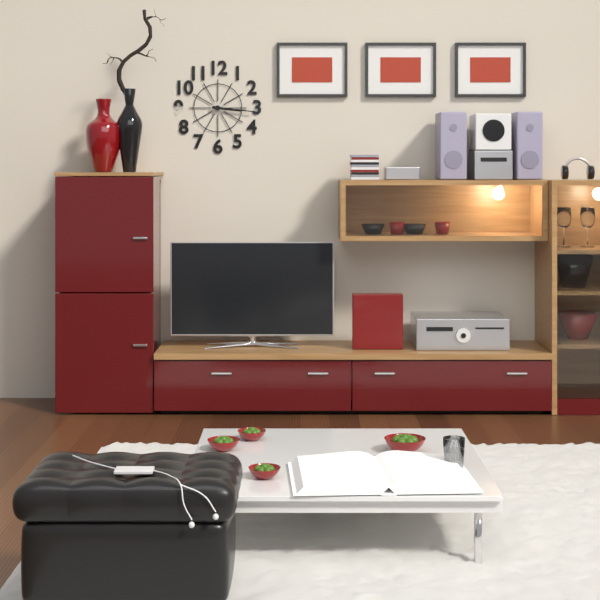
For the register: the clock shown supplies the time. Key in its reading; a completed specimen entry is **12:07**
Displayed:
**3:16**
